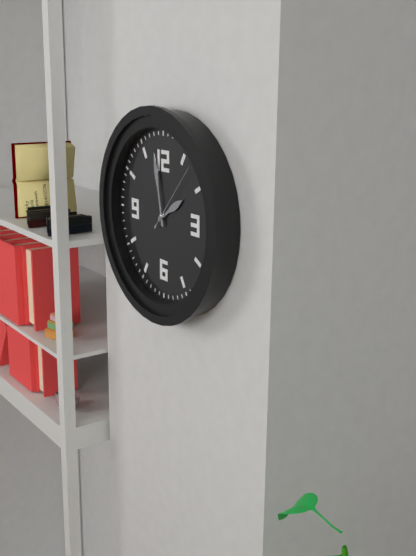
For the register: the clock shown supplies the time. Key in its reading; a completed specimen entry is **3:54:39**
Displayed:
**1:58:07**
